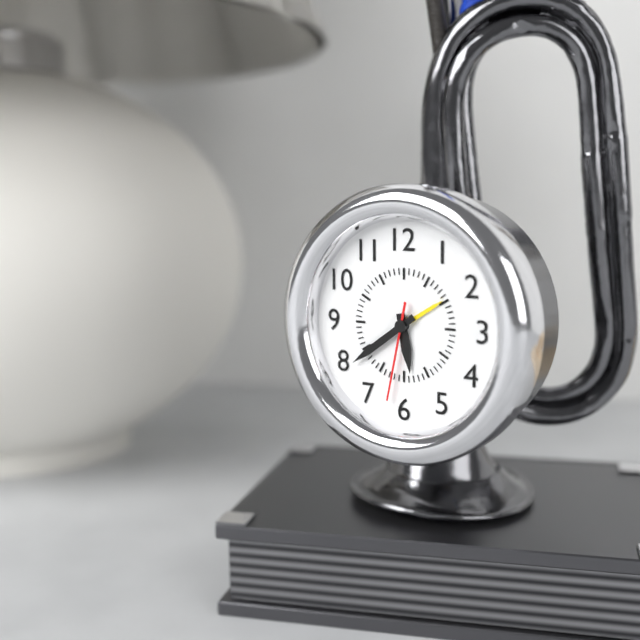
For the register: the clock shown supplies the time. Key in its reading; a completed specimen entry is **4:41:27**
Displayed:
**5:39:32**
